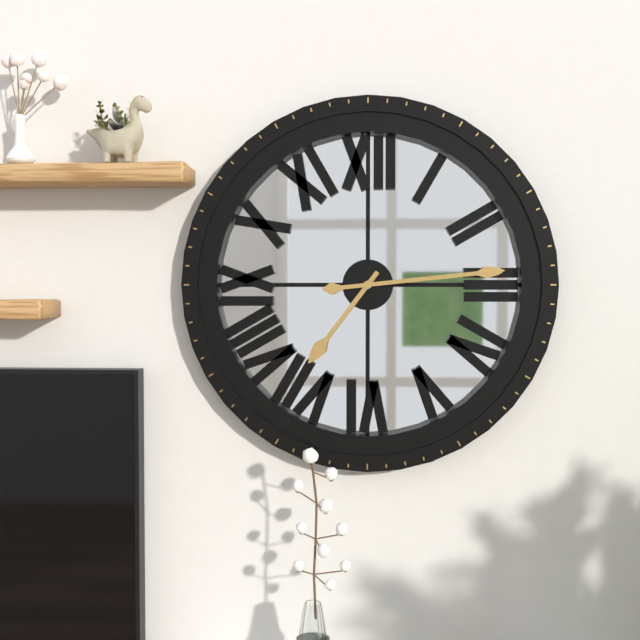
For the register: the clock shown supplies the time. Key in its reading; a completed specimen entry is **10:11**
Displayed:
**7:14**
